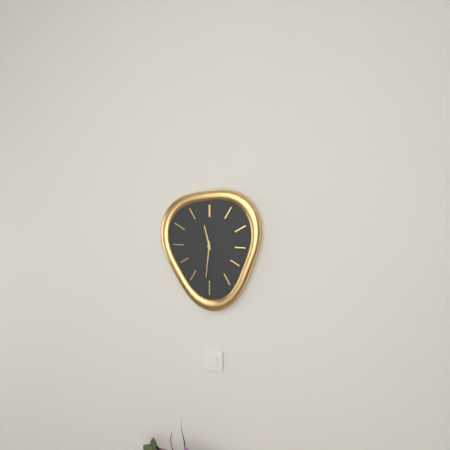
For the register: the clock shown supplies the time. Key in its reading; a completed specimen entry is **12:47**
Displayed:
**11:31**
